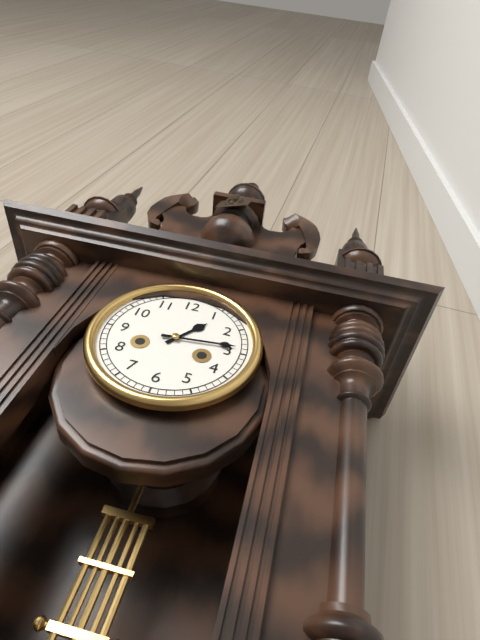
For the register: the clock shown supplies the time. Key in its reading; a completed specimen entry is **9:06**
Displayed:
**1:14**
